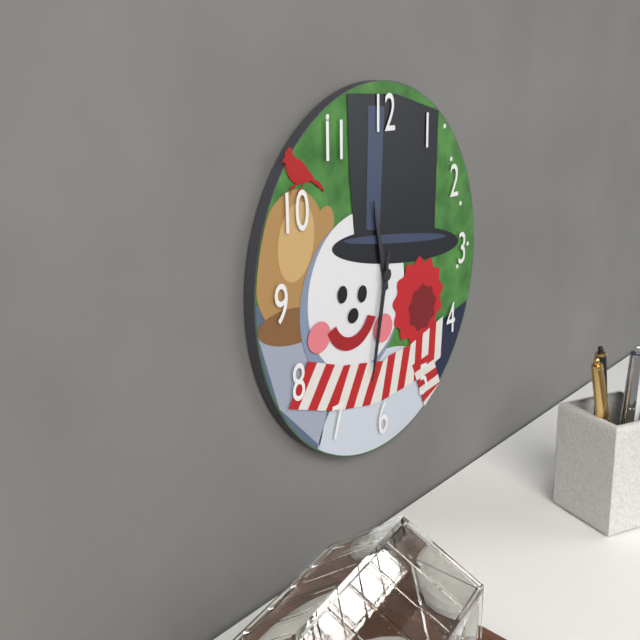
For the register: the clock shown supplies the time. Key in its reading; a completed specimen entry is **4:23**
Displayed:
**11:32**
